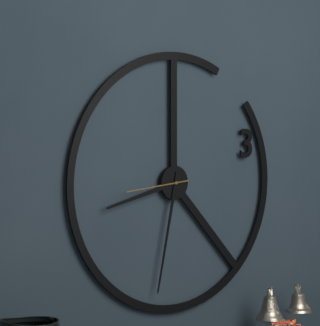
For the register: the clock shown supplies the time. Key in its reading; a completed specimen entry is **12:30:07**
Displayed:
**8:32:44**
